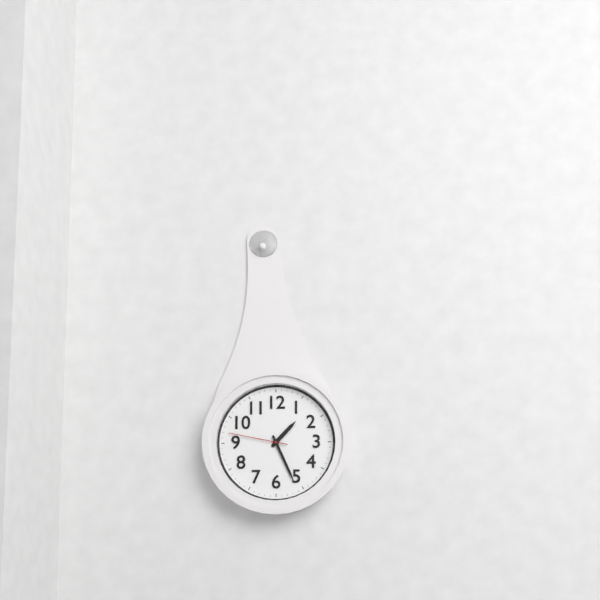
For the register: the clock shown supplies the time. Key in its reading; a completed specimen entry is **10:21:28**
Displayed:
**1:26:47**
